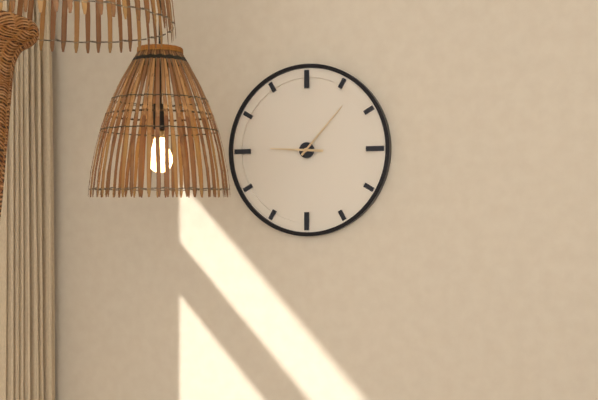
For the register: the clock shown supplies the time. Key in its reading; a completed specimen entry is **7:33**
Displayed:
**9:07**
